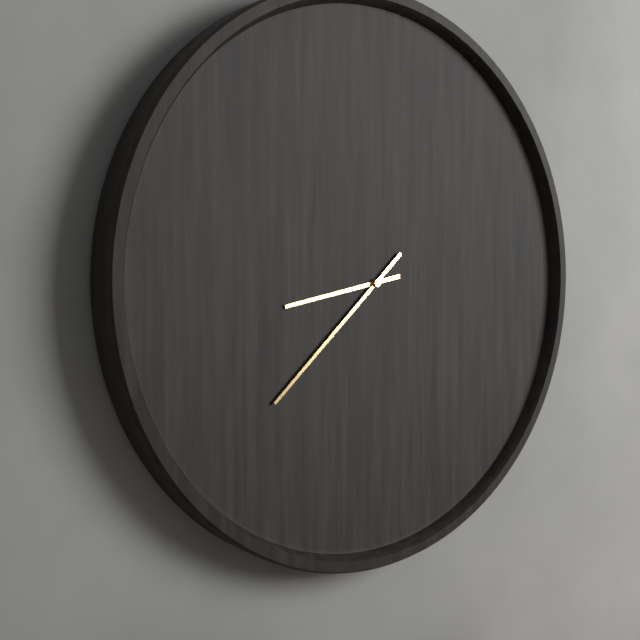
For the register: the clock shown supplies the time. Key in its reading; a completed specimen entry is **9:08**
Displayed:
**8:38**
